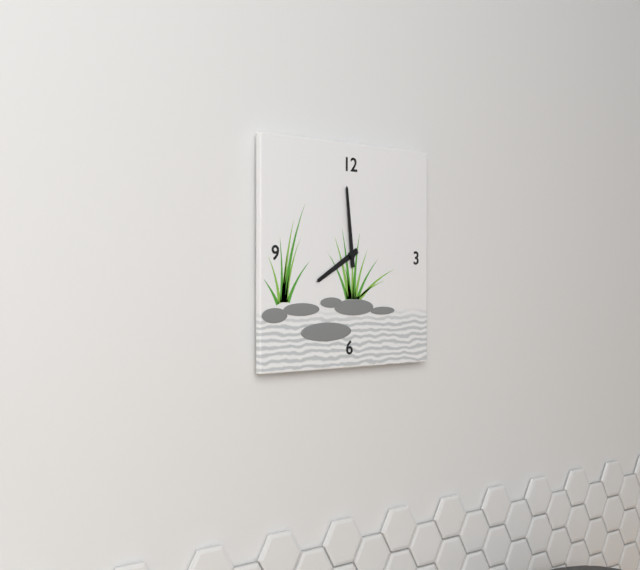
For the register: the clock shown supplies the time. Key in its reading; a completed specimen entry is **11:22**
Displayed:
**7:59**
